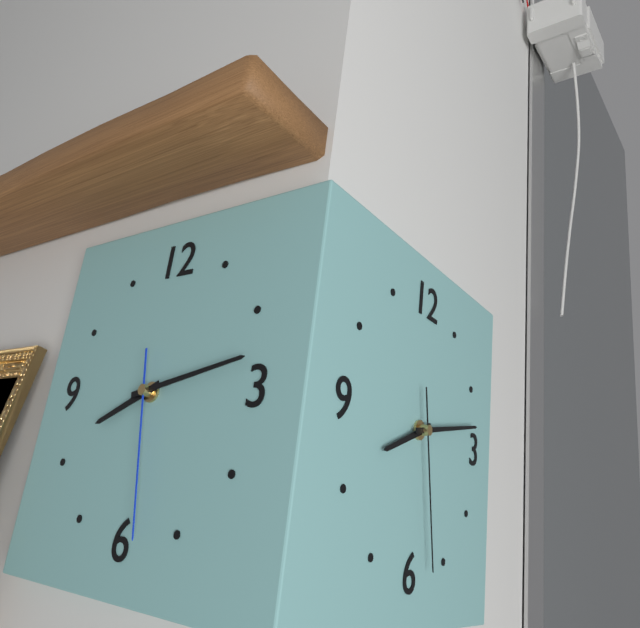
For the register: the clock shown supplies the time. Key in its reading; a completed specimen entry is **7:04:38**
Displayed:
**8:13:28**
